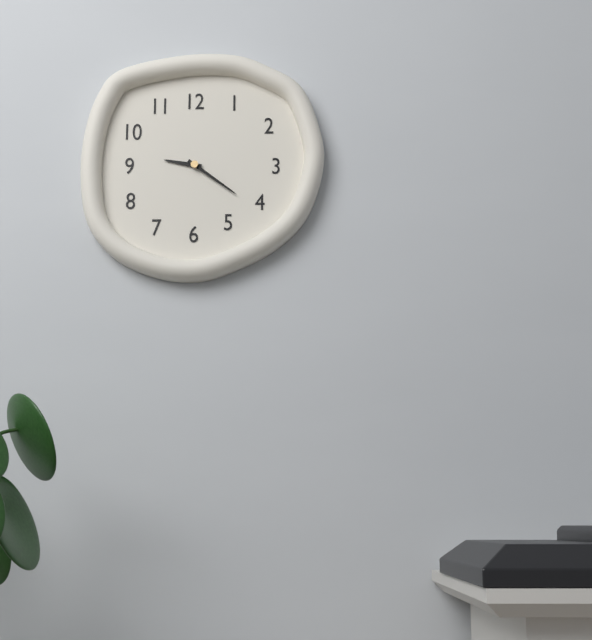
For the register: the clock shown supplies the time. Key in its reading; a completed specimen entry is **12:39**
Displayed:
**9:21**
